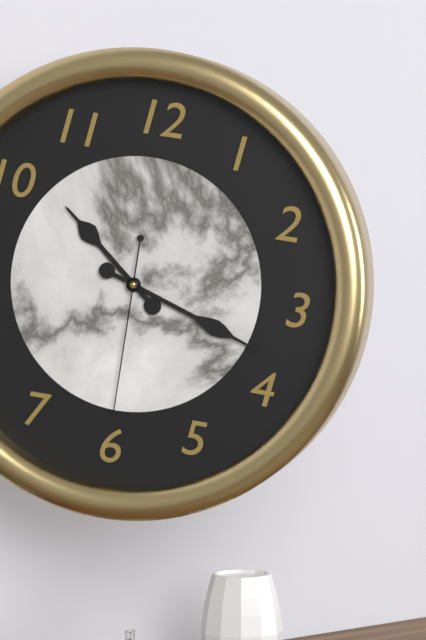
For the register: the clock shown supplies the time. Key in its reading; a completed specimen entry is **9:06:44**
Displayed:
**10:18:30**
